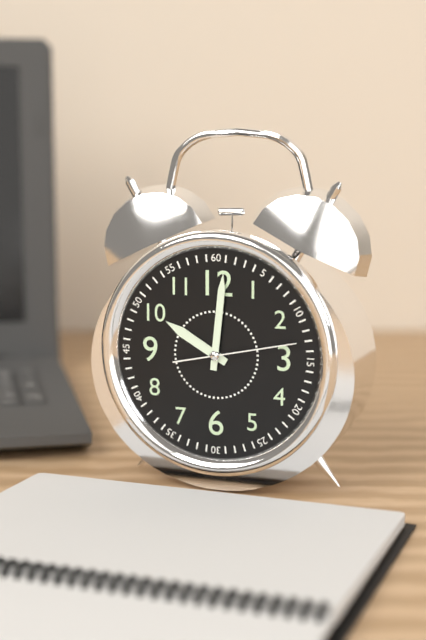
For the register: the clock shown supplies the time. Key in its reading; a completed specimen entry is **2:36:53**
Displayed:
**10:01:13**
